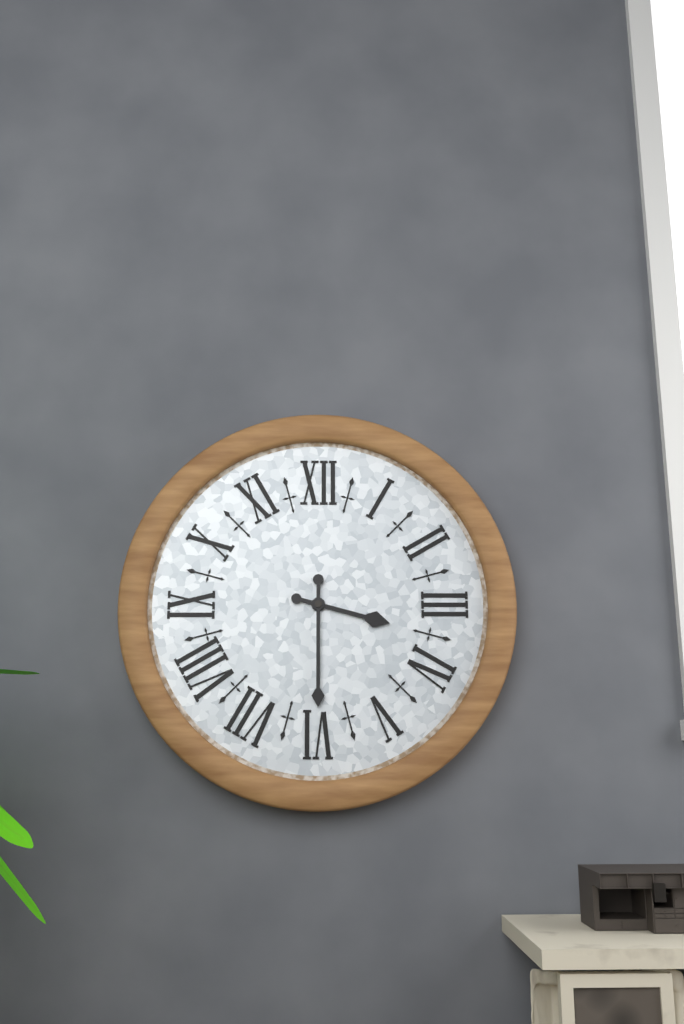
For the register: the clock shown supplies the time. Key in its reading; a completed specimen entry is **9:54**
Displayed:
**3:30**
